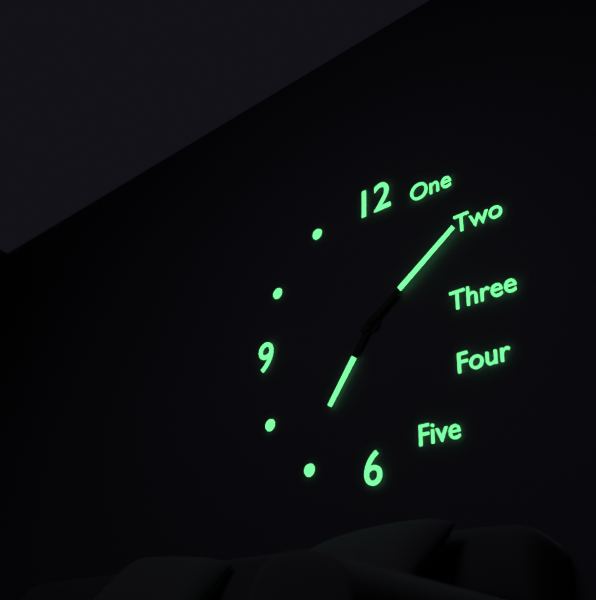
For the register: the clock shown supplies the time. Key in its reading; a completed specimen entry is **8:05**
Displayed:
**7:09**
